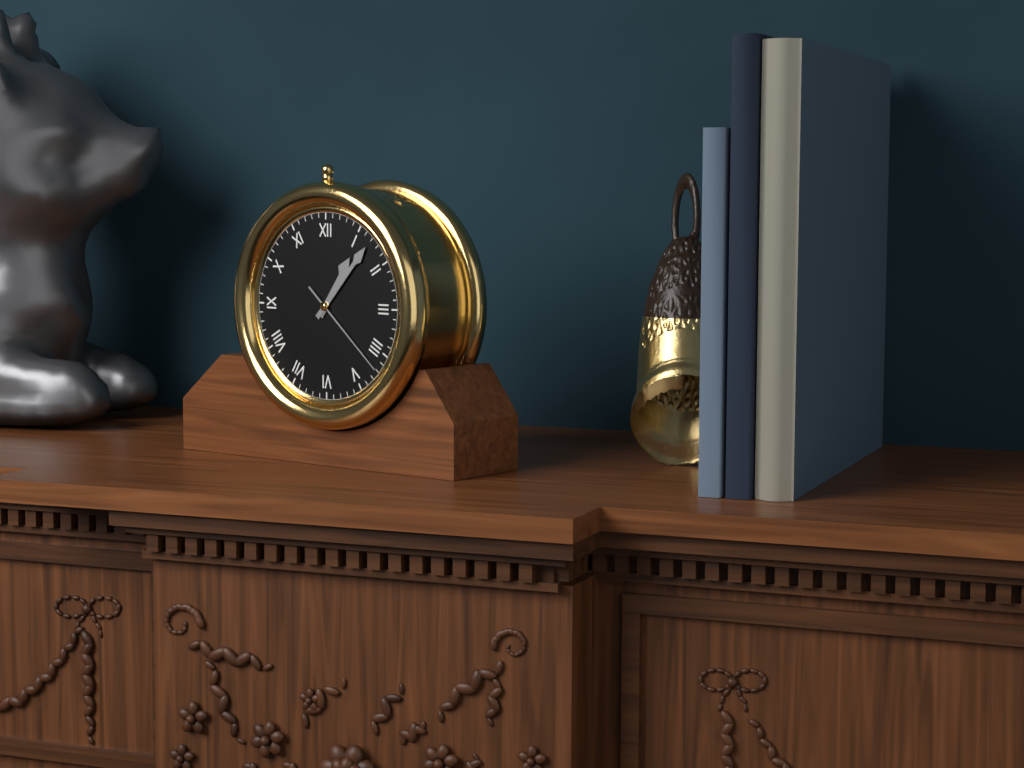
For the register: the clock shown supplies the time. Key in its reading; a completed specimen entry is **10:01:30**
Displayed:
**1:07:22**
